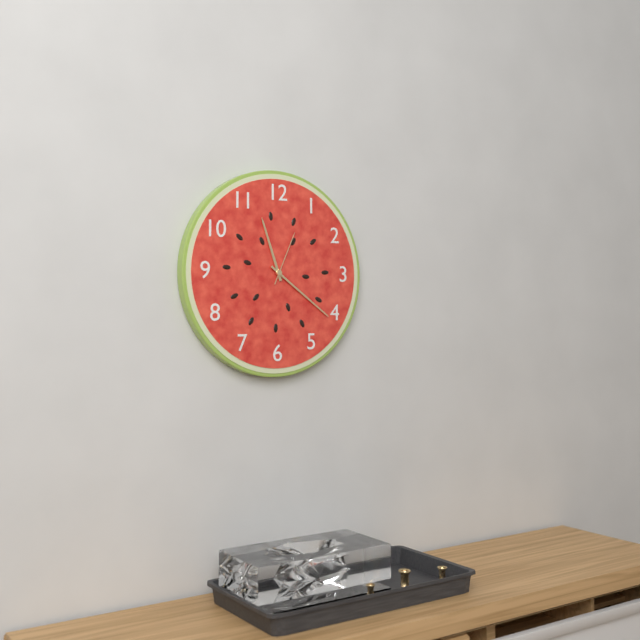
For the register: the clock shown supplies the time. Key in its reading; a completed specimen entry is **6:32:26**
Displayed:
**11:21:04**
